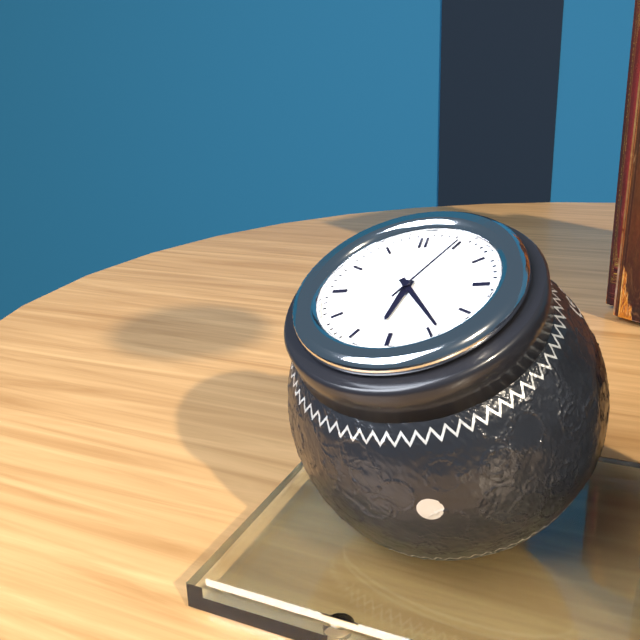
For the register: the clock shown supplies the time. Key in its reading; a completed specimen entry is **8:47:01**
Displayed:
**6:24:05**
